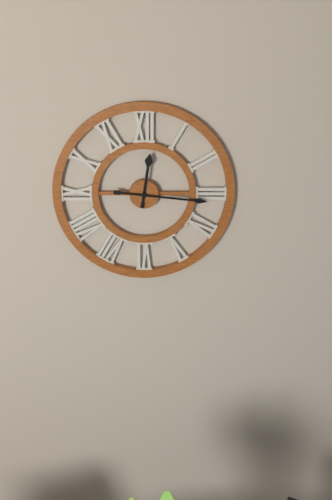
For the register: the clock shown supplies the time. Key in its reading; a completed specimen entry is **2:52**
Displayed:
**12:16**
